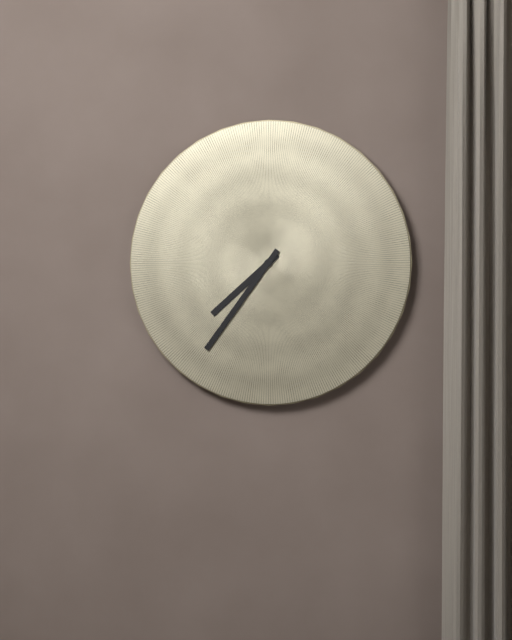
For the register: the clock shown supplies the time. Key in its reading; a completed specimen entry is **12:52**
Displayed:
**7:36**
